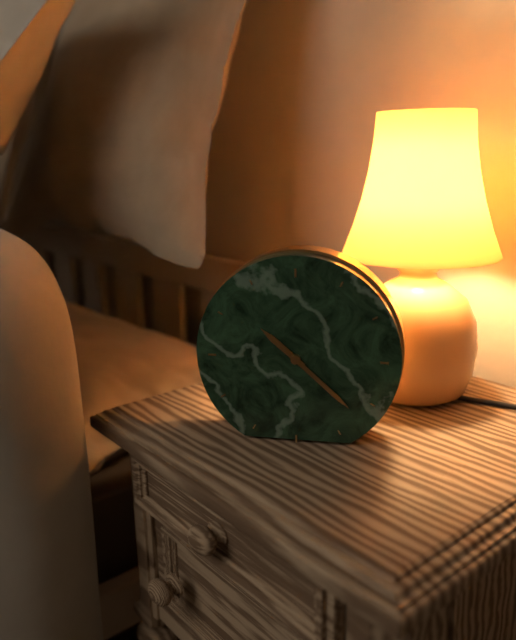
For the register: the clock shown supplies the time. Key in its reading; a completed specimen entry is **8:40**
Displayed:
**10:22**
